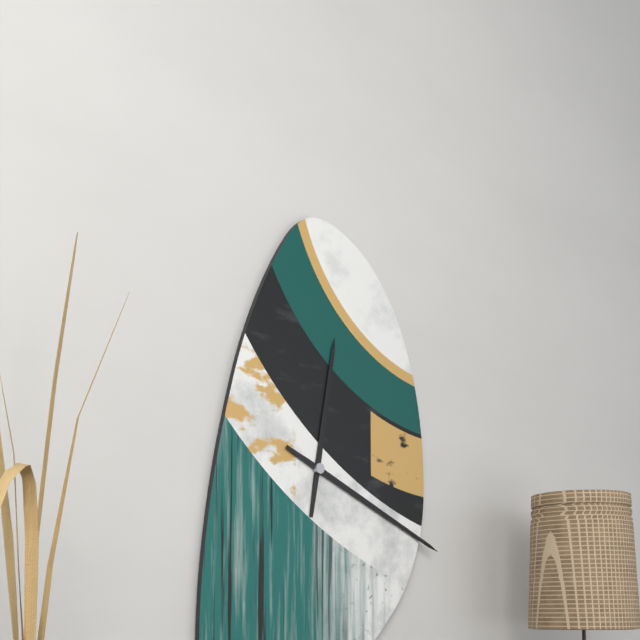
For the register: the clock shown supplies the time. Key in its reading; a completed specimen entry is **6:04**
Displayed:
**12:19**
